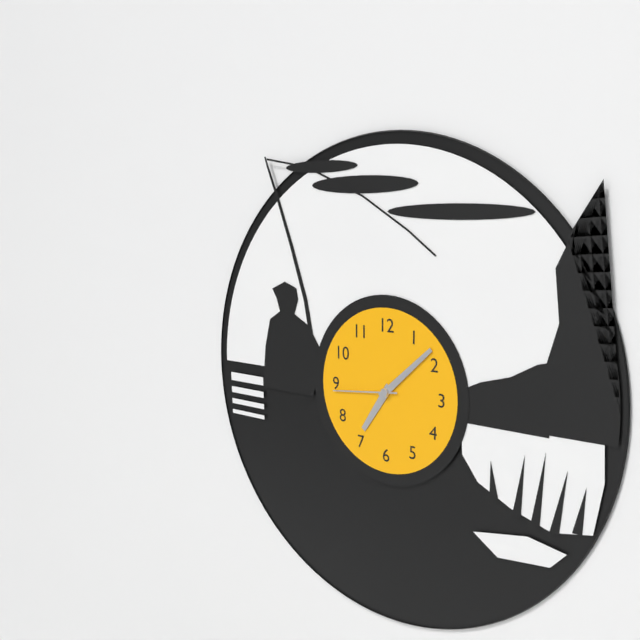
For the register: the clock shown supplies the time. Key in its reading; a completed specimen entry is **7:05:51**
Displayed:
**7:08:44**
